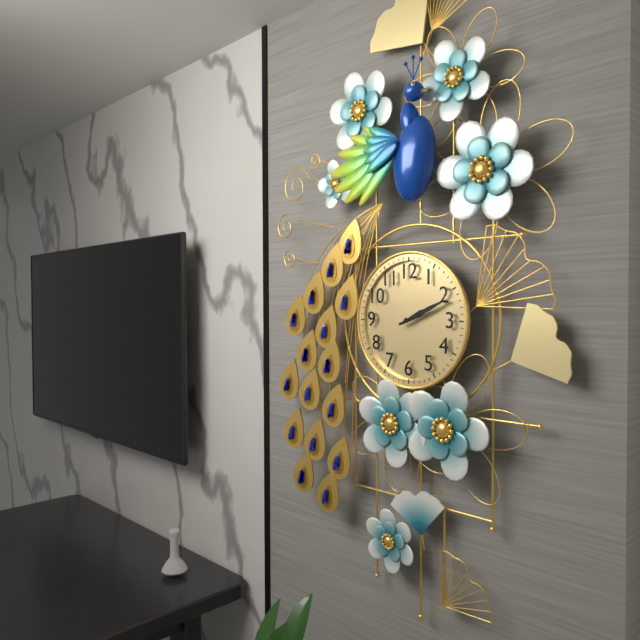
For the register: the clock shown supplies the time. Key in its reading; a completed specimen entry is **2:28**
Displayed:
**2:11**
